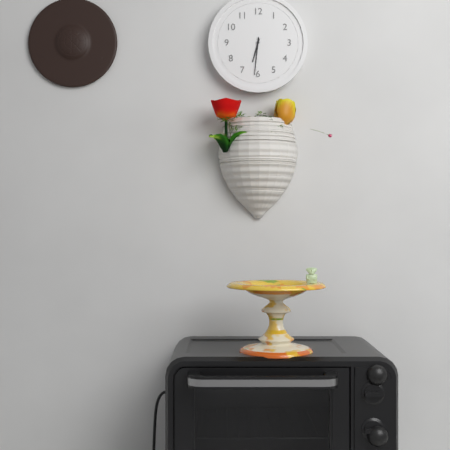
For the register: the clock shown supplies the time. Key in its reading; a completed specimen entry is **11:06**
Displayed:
**6:31**
